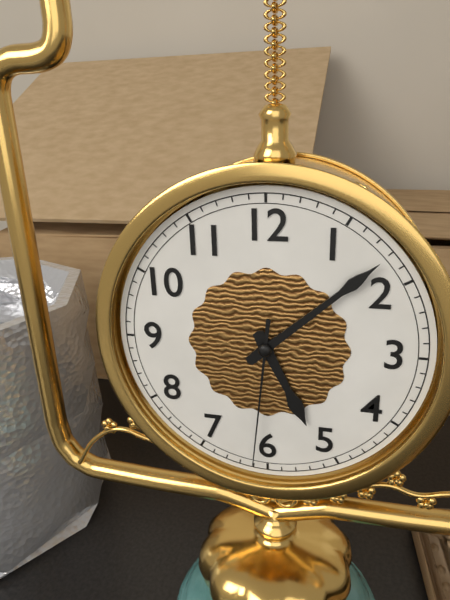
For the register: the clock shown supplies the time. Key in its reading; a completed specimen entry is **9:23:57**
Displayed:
**5:08:31**
